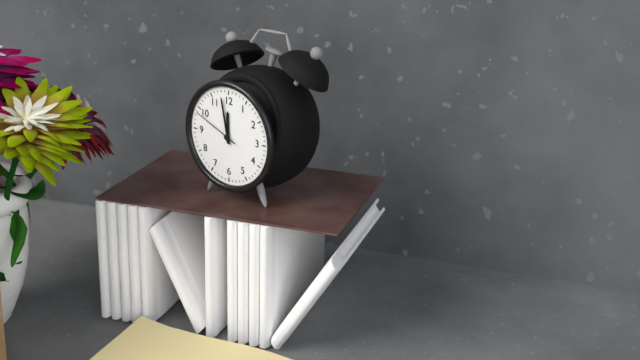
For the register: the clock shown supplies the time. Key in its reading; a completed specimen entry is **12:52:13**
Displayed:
**11:58:49**
